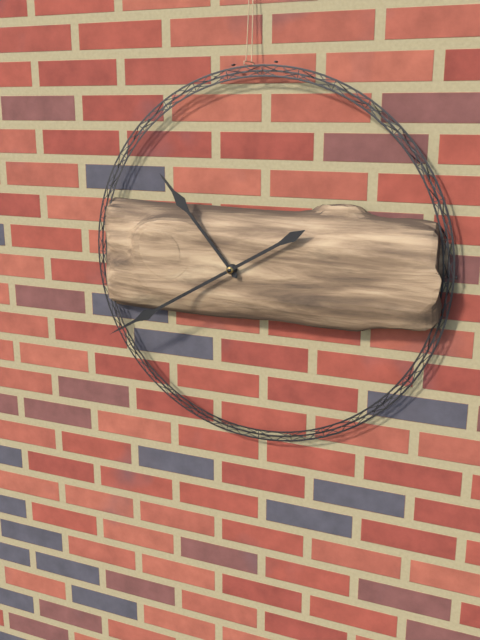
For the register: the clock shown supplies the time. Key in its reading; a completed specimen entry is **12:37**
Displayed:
**10:40**
